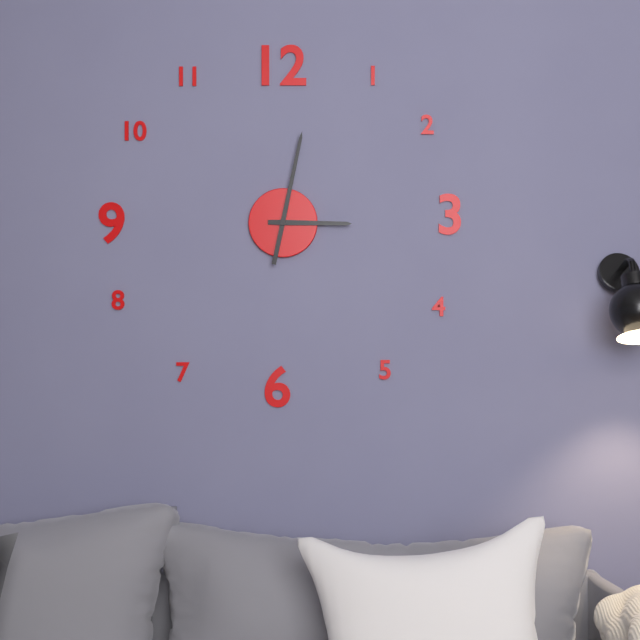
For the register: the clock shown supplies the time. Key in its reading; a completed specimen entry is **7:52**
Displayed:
**3:02**
